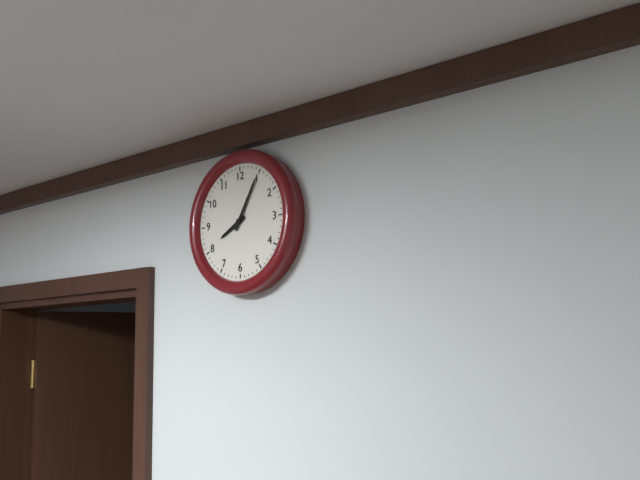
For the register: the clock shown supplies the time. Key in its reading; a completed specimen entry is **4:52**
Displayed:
**8:05**
